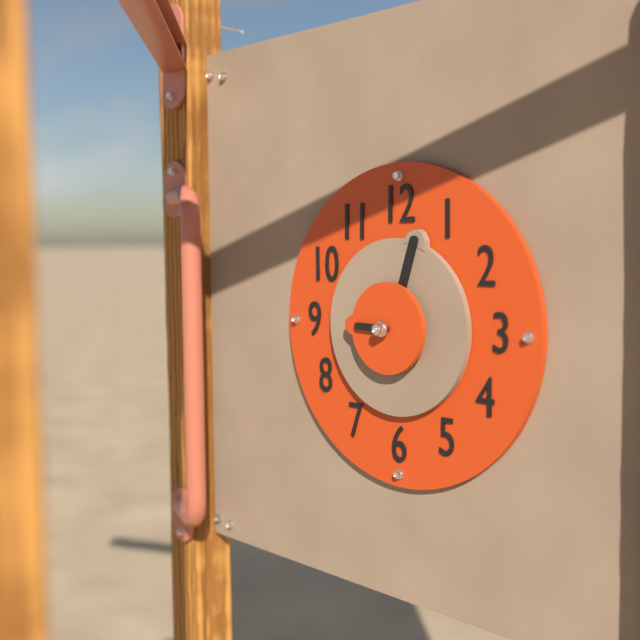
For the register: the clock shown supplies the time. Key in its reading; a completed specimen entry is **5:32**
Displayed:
**9:03**
